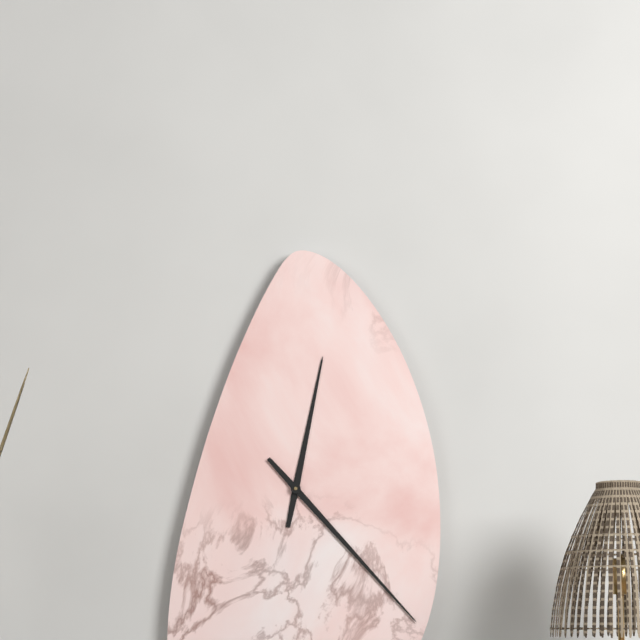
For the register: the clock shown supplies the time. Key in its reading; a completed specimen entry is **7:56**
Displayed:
**12:23**
